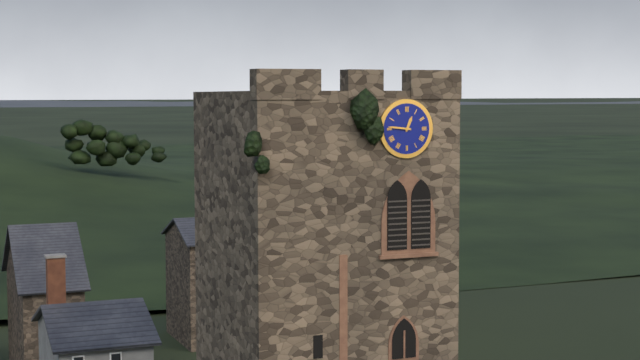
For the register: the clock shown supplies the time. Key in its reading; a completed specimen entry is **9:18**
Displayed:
**12:46**
